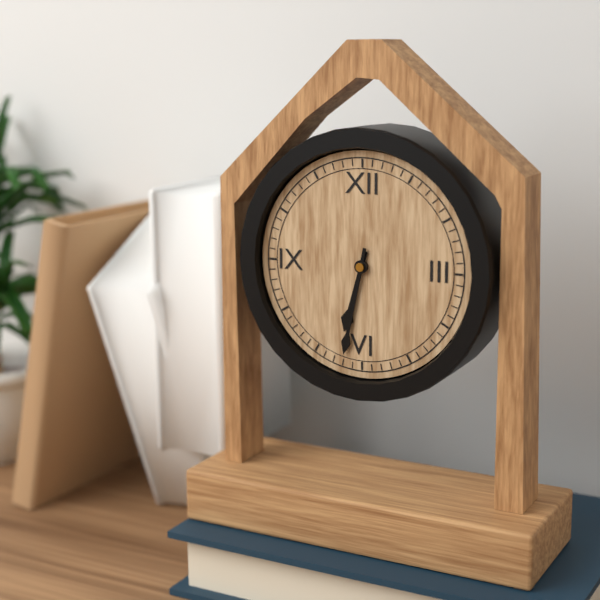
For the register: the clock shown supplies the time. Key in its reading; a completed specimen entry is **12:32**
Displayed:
**6:32**
